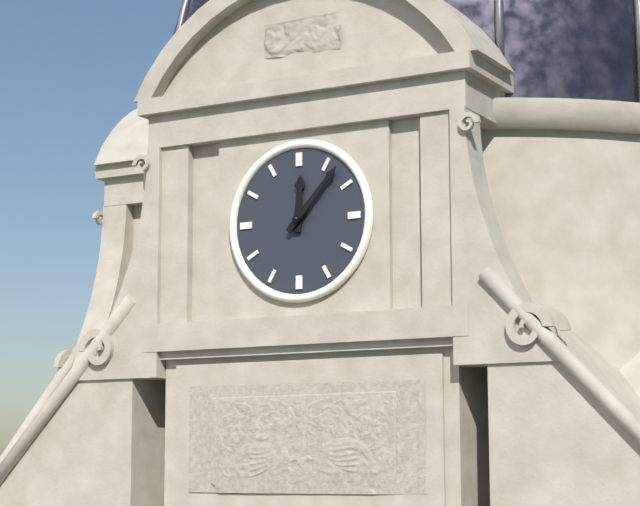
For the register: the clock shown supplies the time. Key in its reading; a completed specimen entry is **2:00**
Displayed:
**12:07**
